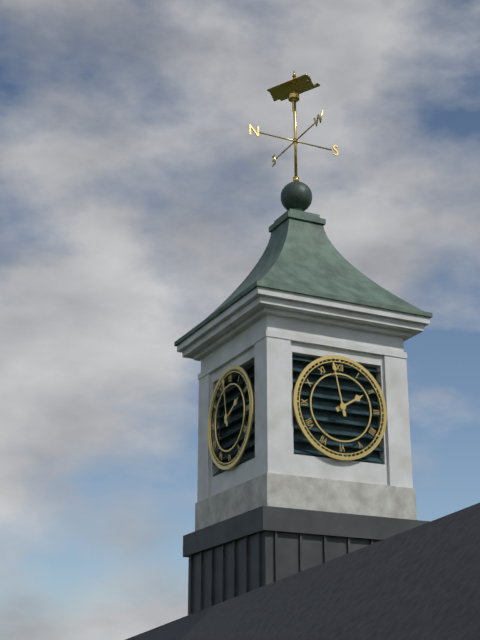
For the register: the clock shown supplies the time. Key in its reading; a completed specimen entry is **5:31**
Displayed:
**1:58**
